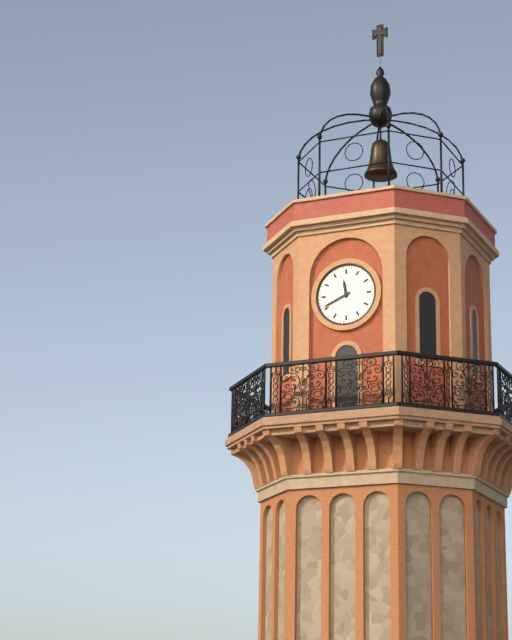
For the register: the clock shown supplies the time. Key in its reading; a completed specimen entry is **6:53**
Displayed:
**11:41**
